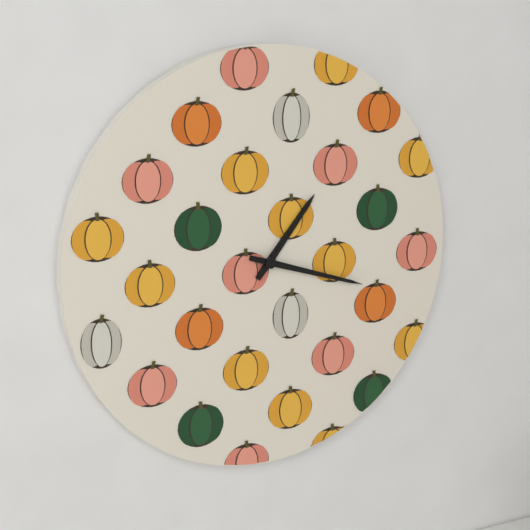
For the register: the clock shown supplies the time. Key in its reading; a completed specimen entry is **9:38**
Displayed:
**1:18**
